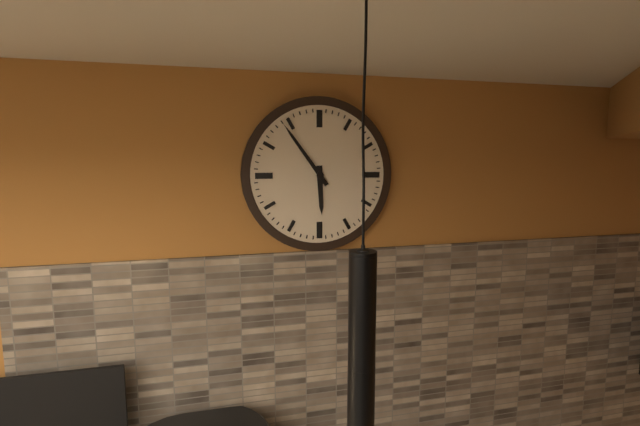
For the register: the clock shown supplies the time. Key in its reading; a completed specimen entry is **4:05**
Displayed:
**5:54**
